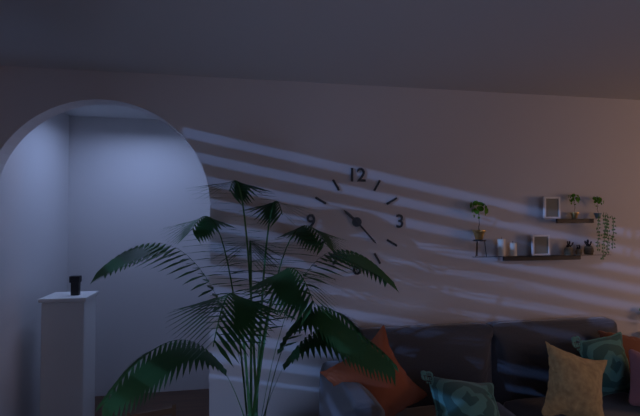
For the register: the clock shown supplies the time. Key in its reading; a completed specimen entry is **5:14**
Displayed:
**10:23**
